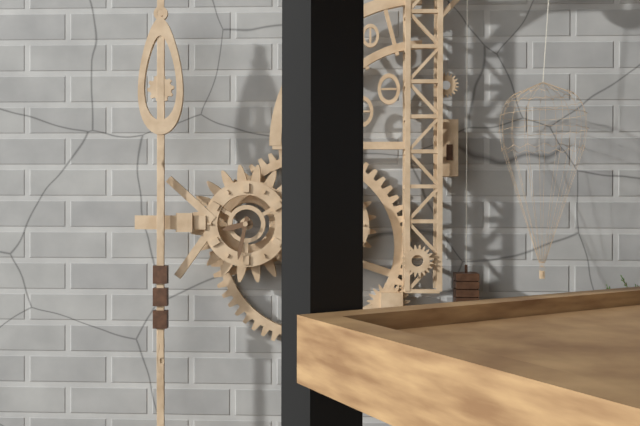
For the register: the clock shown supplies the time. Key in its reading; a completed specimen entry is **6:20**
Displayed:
**8:32**
